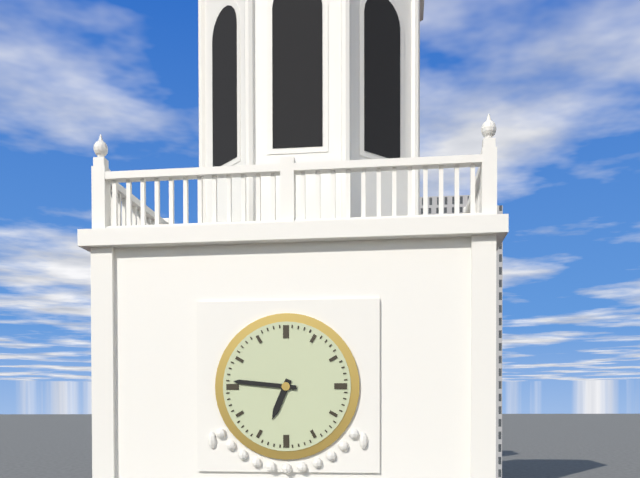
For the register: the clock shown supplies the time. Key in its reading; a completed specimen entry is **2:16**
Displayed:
**6:46**
